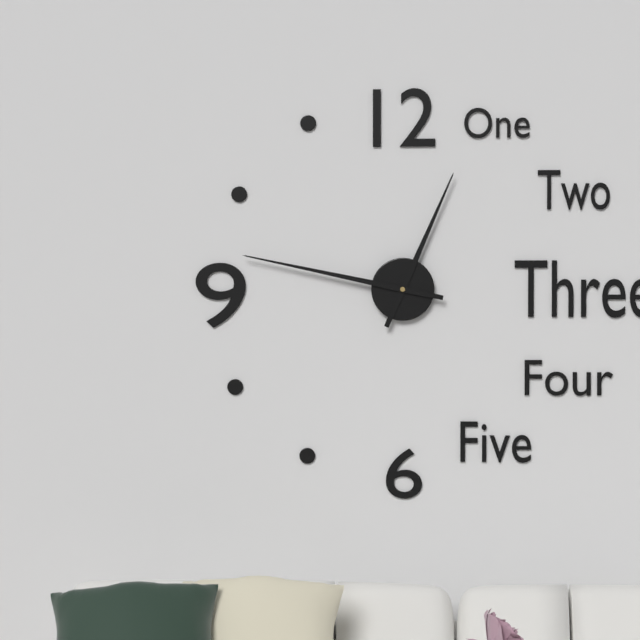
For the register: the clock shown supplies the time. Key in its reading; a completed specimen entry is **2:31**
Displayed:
**12:47**
